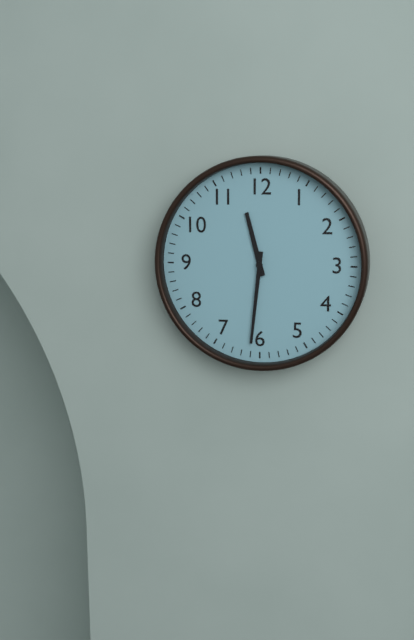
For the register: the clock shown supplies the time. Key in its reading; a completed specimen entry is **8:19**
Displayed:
**11:31**
